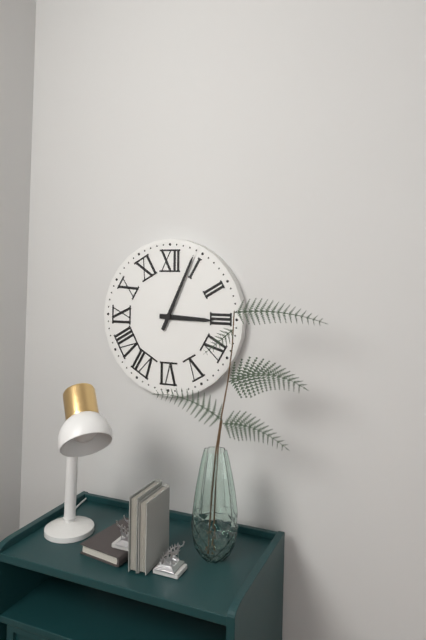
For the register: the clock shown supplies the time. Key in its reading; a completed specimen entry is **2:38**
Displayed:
**3:04**
